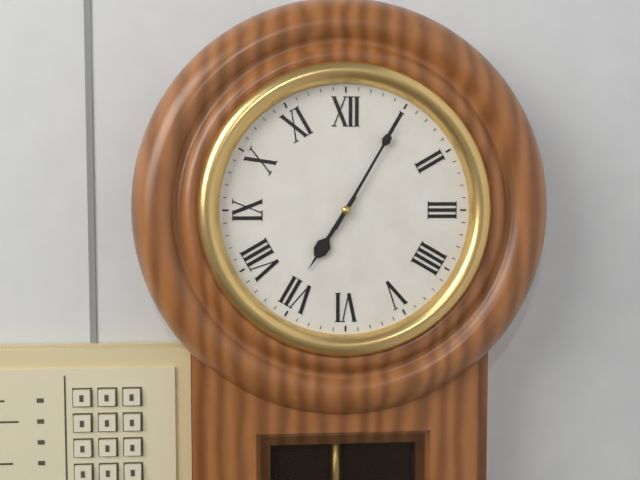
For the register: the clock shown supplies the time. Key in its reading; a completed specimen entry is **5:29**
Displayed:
**7:05**
